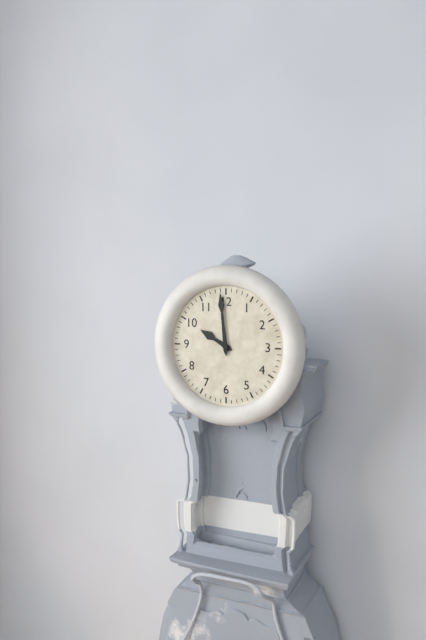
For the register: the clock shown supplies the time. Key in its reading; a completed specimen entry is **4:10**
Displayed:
**9:59**
